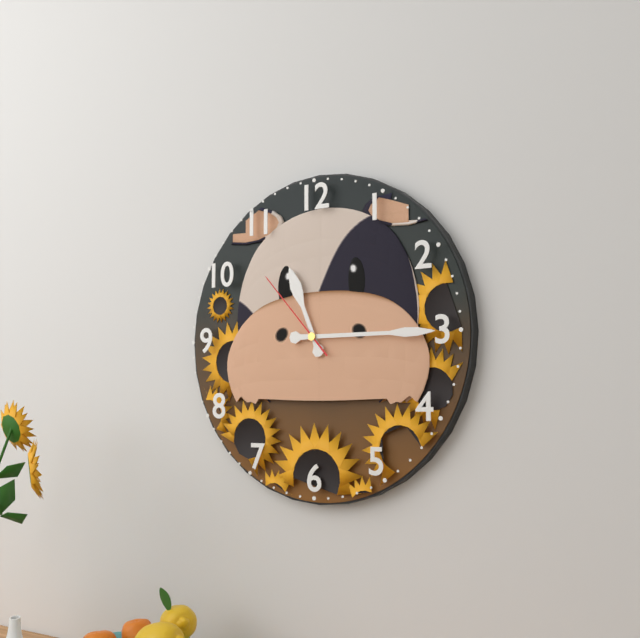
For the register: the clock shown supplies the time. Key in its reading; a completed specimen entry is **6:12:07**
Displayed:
**11:15:53**
